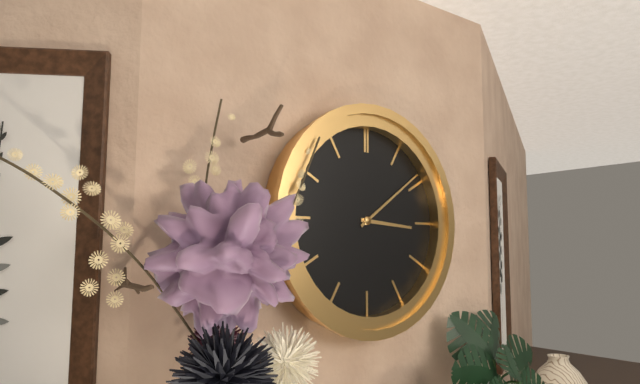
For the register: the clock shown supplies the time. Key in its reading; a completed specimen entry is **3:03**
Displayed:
**3:09**
